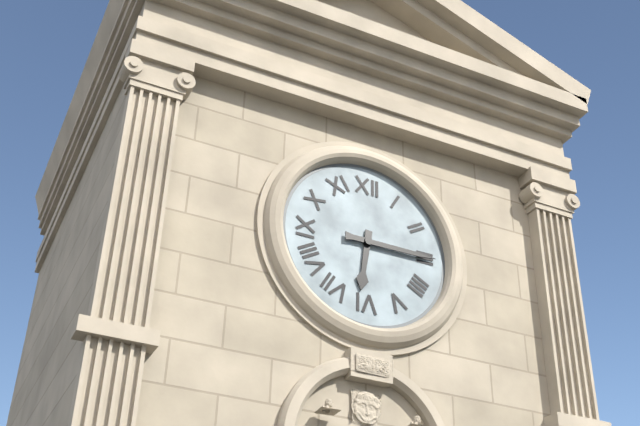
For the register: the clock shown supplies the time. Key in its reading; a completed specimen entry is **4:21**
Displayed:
**6:15**
